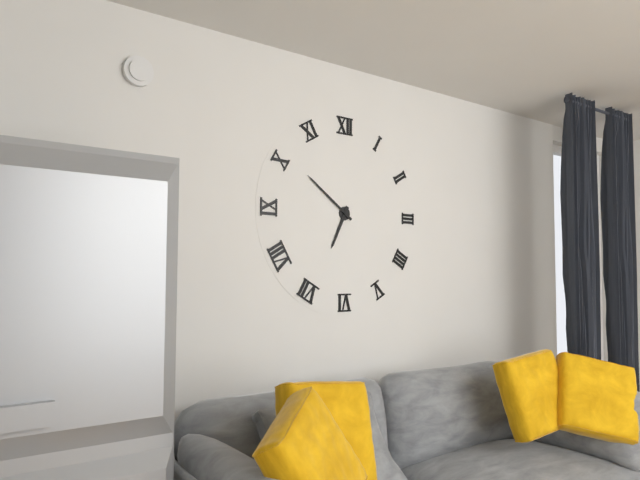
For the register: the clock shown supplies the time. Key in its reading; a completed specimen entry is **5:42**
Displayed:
**6:51**
